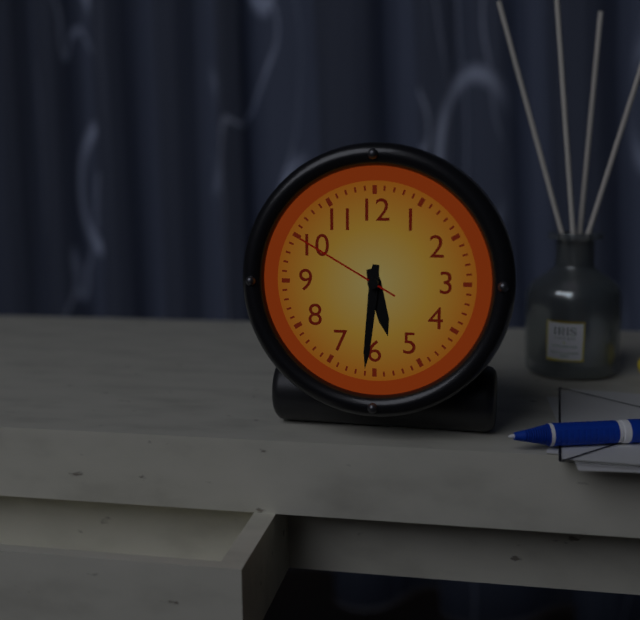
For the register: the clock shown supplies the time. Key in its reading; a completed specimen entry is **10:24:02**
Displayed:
**5:31:50**
